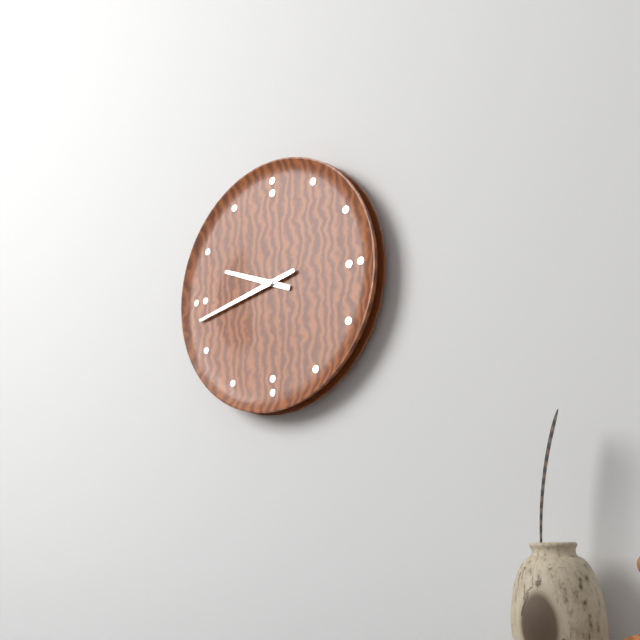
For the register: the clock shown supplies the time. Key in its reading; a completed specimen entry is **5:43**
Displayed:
**9:43**
